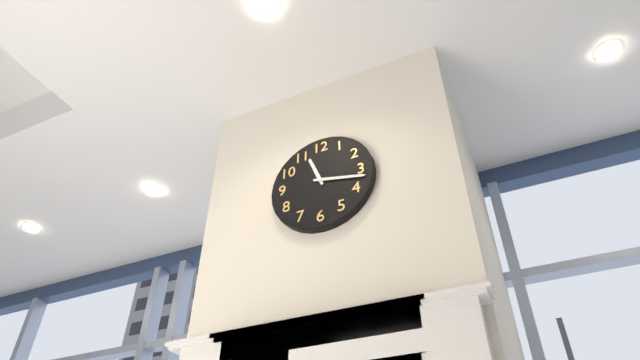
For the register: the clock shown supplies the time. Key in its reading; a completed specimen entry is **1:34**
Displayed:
**11:17**
